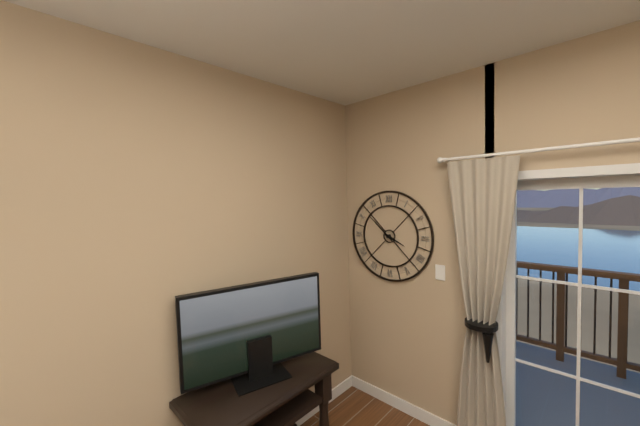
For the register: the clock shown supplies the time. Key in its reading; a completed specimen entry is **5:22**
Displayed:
**3:52**
